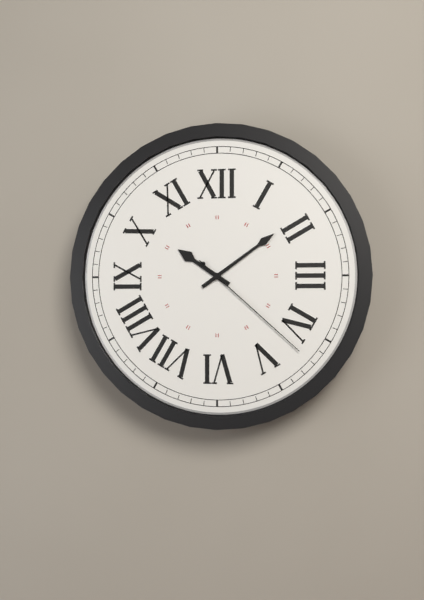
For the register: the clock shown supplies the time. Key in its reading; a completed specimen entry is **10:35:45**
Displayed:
**10:09:22**
